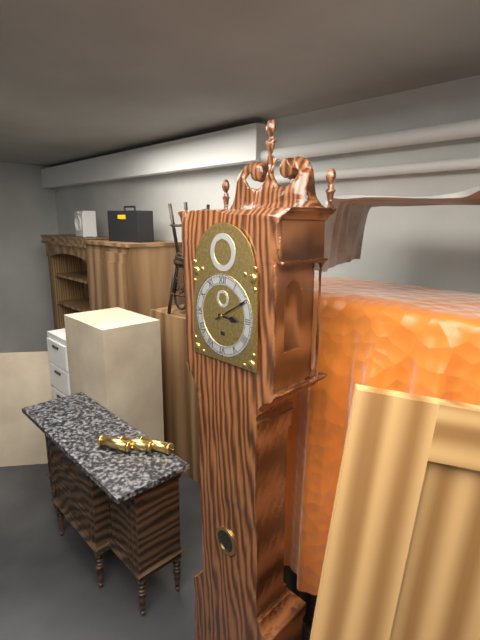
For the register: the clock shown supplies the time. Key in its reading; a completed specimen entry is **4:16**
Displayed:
**3:10**
